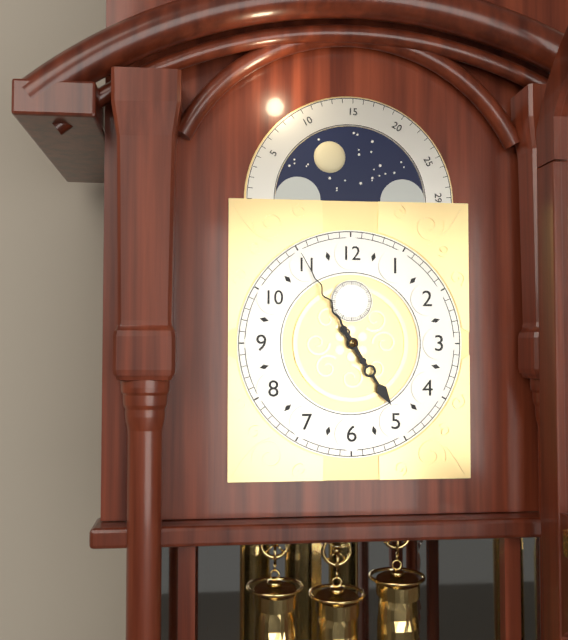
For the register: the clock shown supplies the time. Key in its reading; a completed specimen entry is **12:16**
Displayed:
**4:55**
